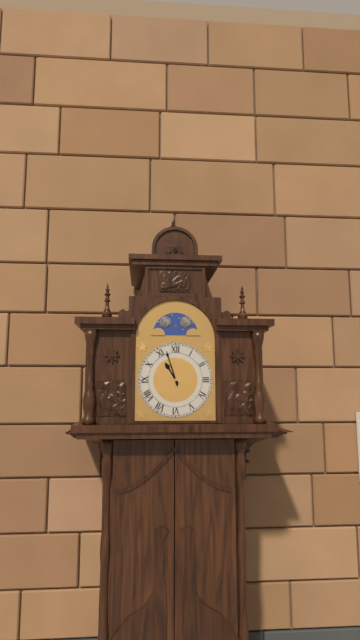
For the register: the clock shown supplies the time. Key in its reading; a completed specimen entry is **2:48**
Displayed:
**10:57**
